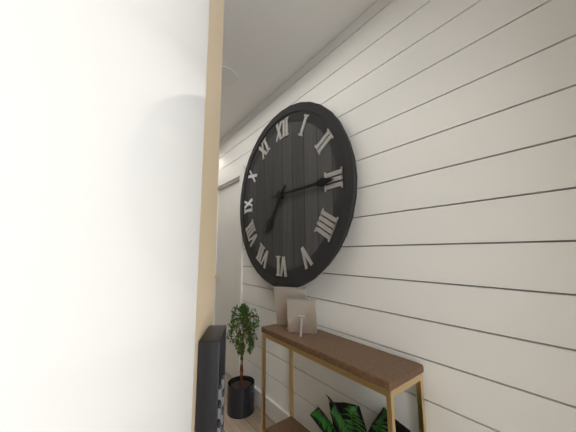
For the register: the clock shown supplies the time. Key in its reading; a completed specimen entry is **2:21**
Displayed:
**7:15**
